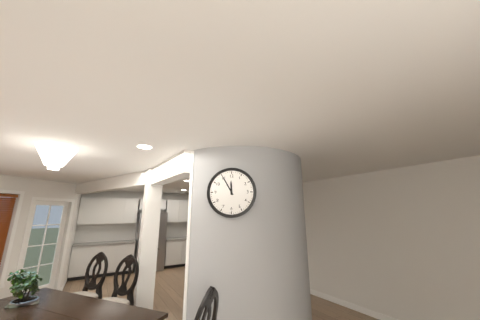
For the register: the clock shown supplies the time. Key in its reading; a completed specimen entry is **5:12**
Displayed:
**11:55**
